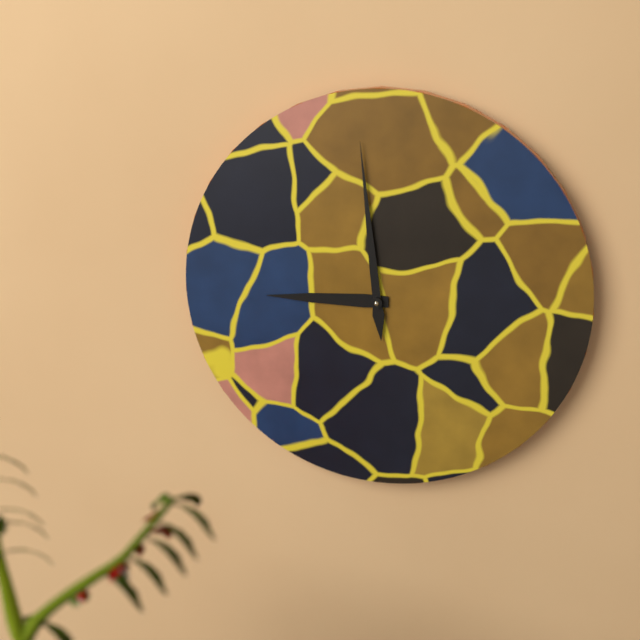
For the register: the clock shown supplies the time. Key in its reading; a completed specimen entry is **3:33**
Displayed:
**8:59**
